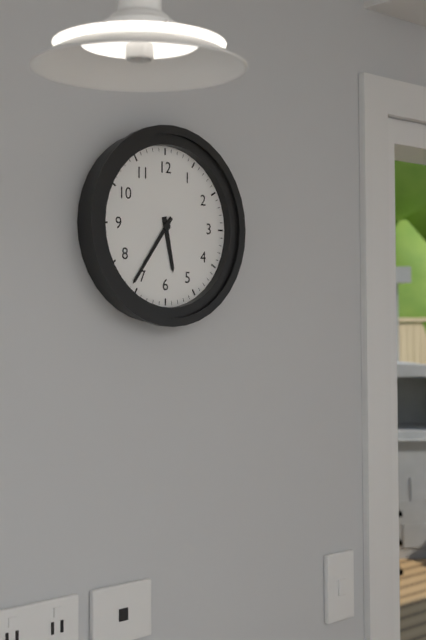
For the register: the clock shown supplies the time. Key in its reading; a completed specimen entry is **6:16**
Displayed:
**5:36**
